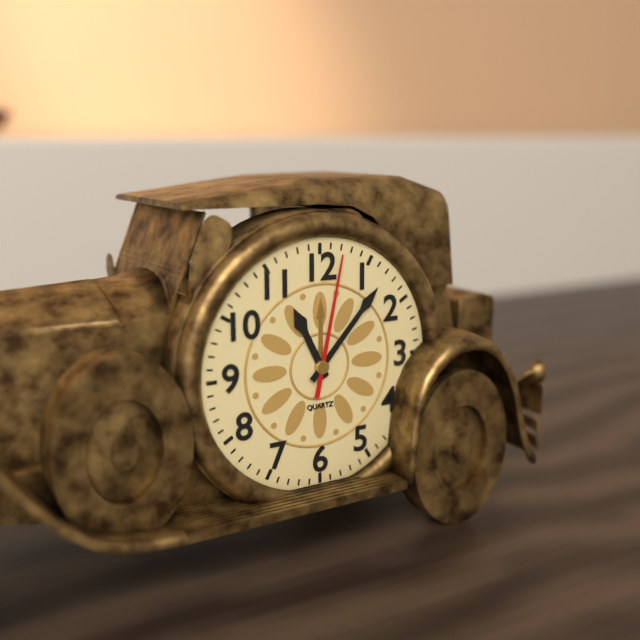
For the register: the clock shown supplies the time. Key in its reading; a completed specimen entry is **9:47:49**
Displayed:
**11:07:02**
